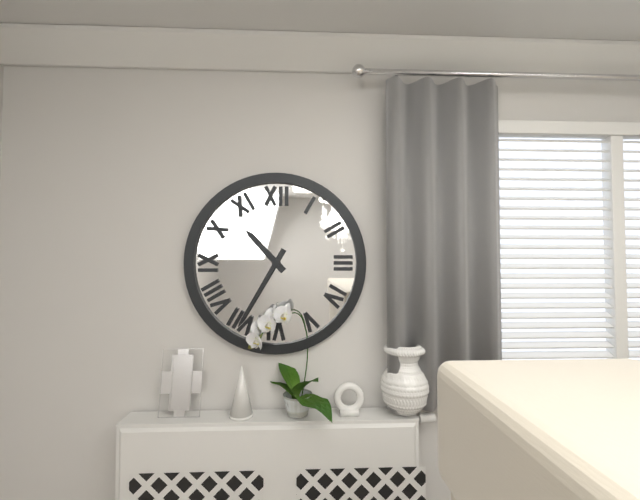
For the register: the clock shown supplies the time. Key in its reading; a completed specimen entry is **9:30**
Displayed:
**10:35**
